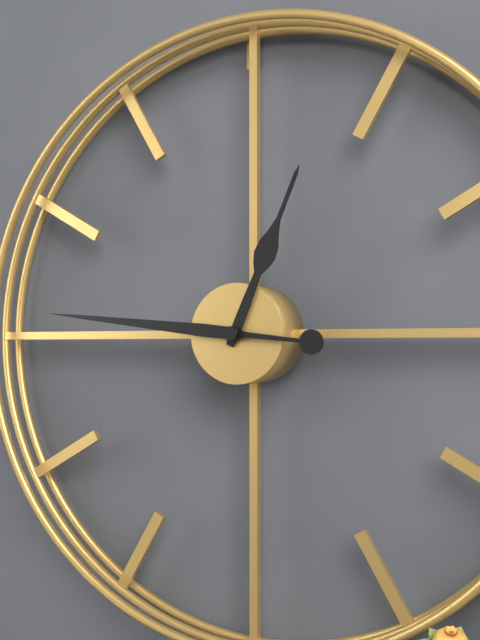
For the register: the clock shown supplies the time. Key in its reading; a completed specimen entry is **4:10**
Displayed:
**12:46**
